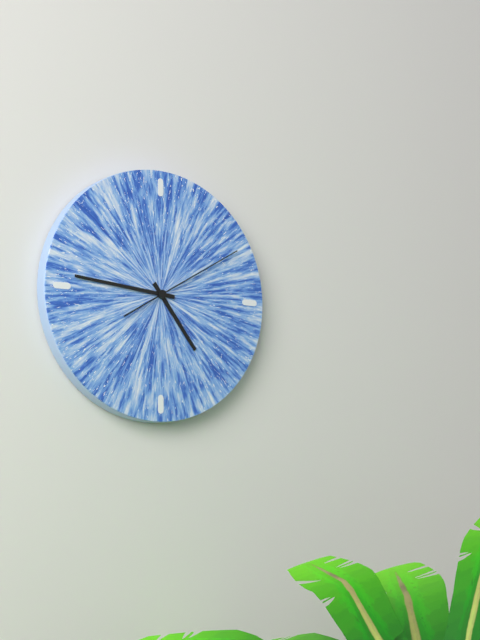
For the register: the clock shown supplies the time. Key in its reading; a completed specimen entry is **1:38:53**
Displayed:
**4:46:10**
